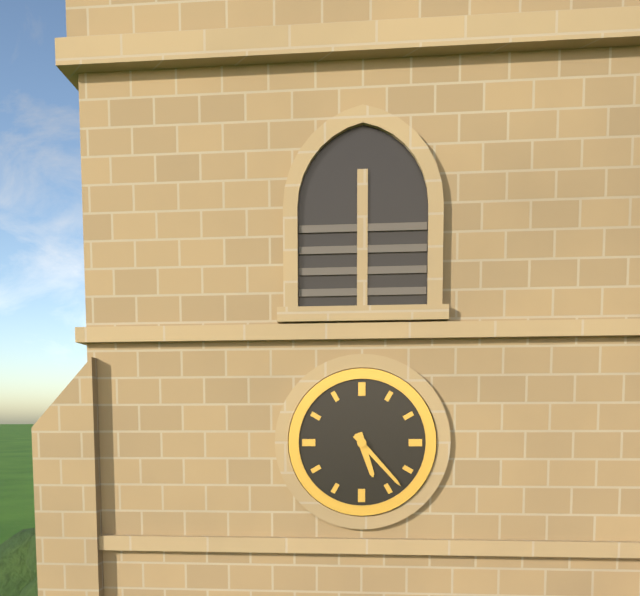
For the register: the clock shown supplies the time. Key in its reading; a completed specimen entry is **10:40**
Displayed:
**5:23**
